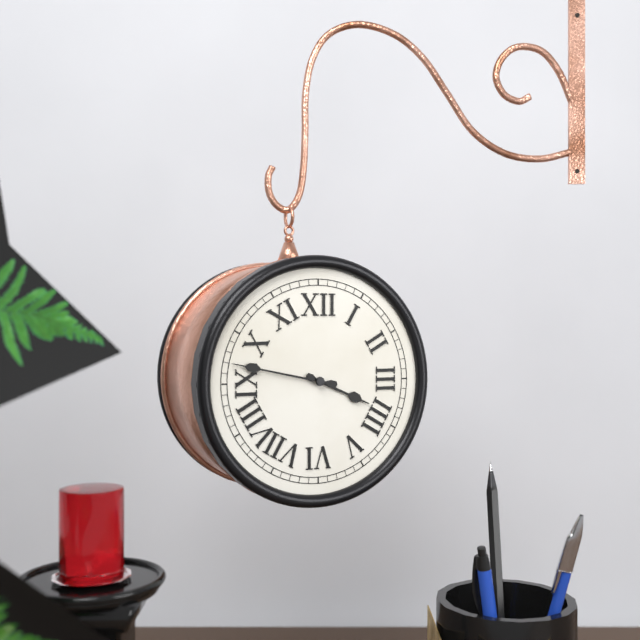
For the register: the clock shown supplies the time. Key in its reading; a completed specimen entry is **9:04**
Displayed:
**3:47**
